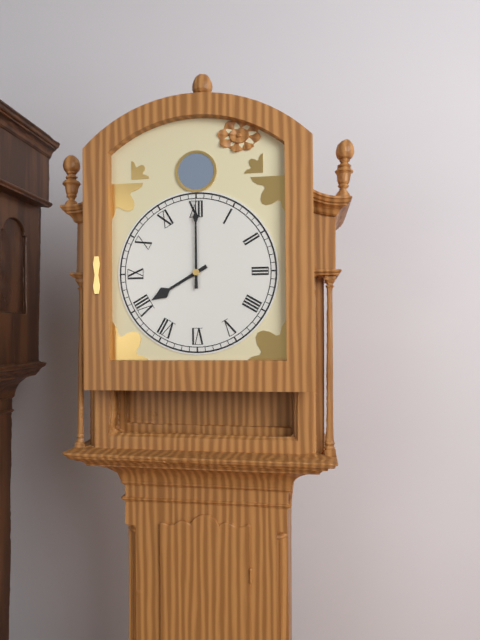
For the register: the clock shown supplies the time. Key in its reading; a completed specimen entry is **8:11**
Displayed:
**8:00**
